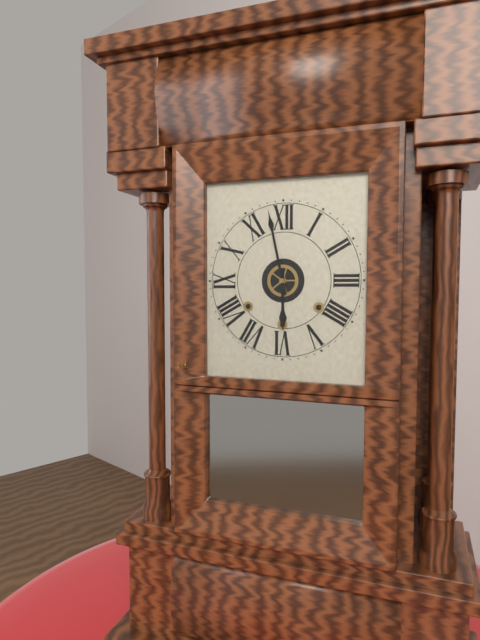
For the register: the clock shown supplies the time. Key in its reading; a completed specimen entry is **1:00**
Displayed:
**5:58**
